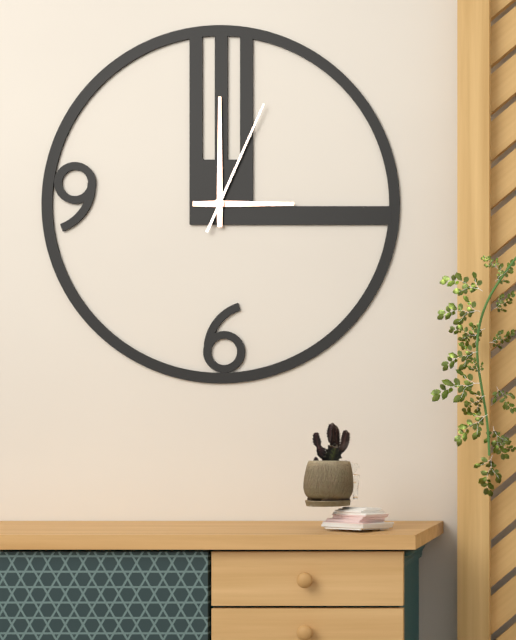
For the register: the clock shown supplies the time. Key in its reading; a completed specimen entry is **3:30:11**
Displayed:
**3:00:04**
